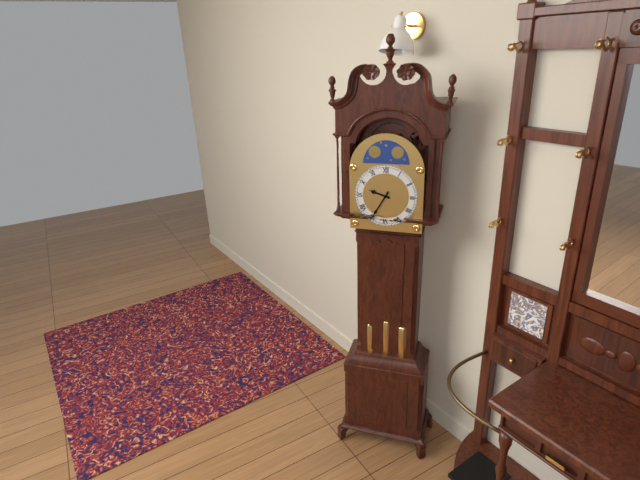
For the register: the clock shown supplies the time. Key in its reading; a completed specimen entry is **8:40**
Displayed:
**9:35**
